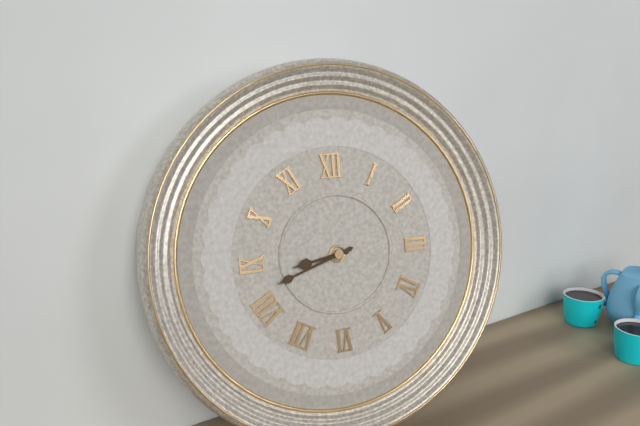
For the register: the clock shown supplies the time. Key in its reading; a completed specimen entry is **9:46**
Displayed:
**8:42**
